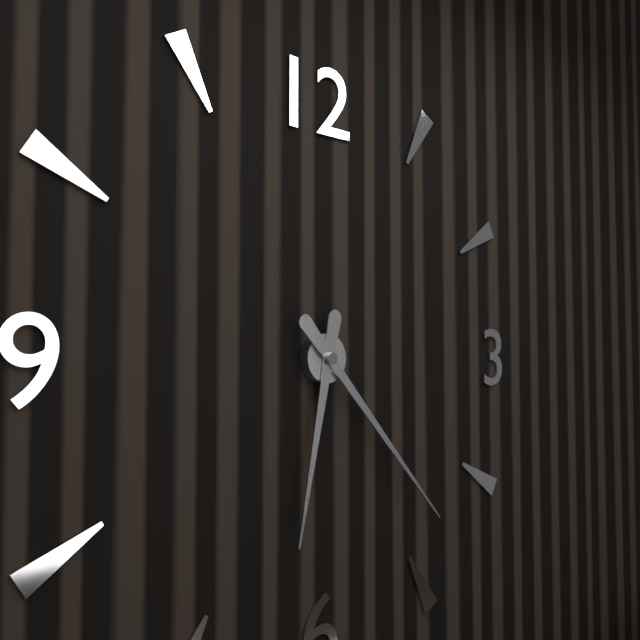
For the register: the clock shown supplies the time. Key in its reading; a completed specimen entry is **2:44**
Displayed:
**6:23**
